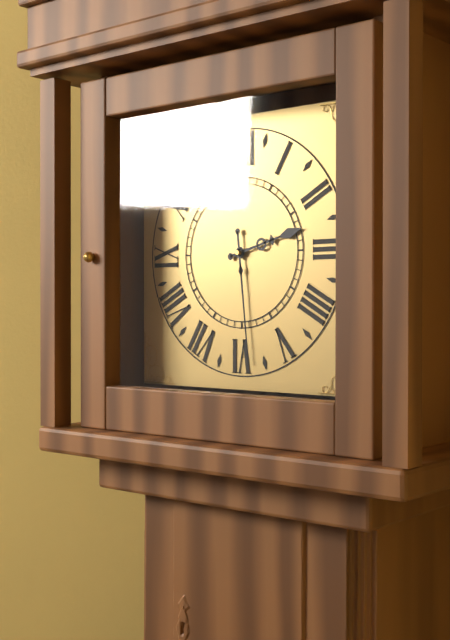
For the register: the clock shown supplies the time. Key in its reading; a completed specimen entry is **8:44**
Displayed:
**2:29**
